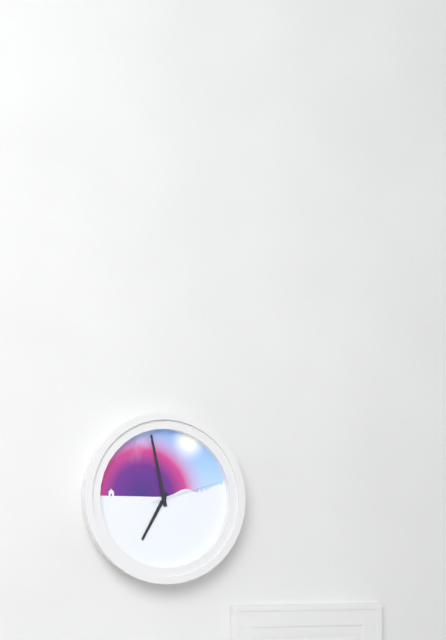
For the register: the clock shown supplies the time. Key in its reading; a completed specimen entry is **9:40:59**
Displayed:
**6:58:12**
